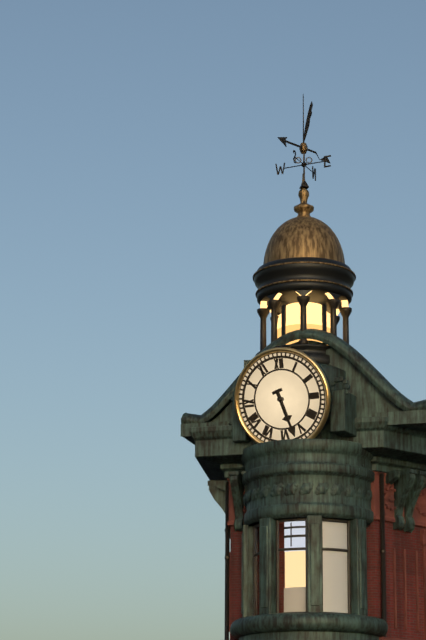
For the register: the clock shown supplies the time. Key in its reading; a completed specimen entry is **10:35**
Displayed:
**5:27**
